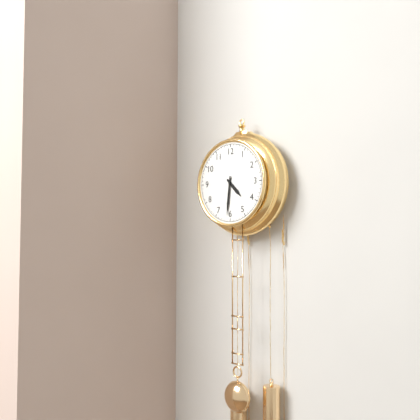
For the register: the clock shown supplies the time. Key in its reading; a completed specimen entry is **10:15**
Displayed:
**4:31**
